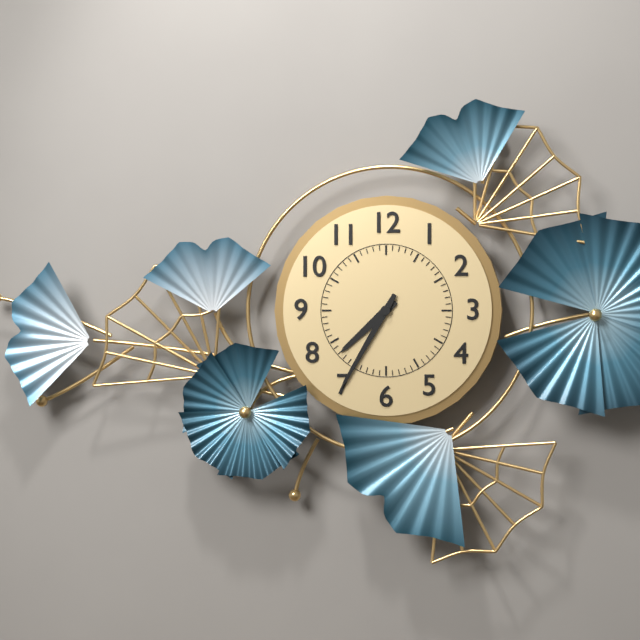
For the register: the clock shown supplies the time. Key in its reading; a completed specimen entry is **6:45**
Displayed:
**7:35**
